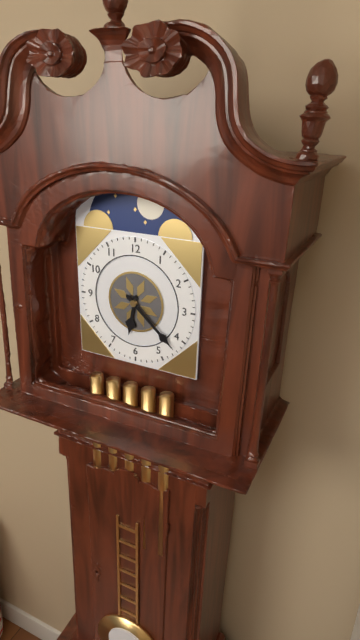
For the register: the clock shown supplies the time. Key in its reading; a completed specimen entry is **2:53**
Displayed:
**6:22**
